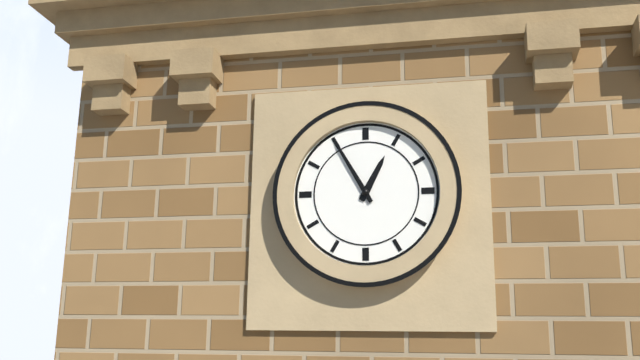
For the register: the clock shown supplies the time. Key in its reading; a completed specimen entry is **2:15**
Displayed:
**12:55**
